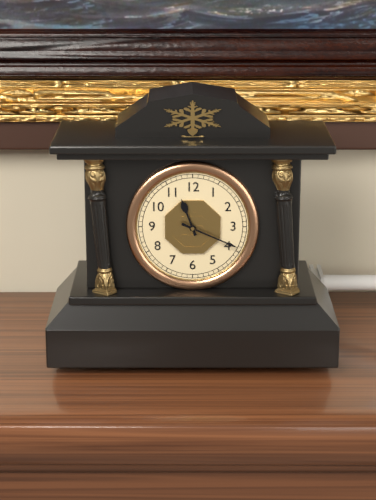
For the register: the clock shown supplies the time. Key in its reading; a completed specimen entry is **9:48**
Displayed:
**11:19**
